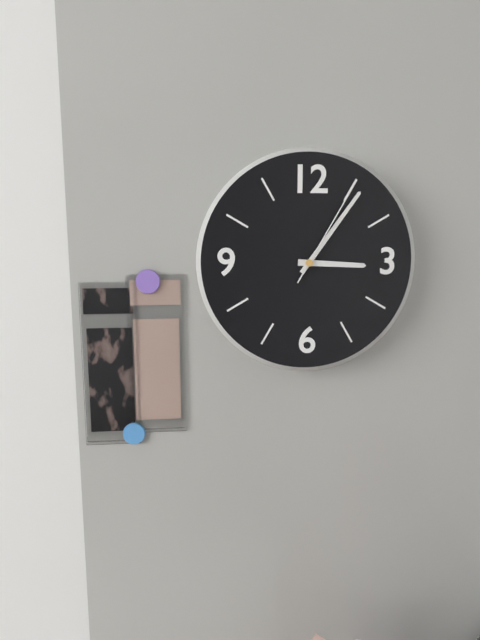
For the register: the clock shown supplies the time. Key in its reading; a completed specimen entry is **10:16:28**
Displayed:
**3:06:05**
